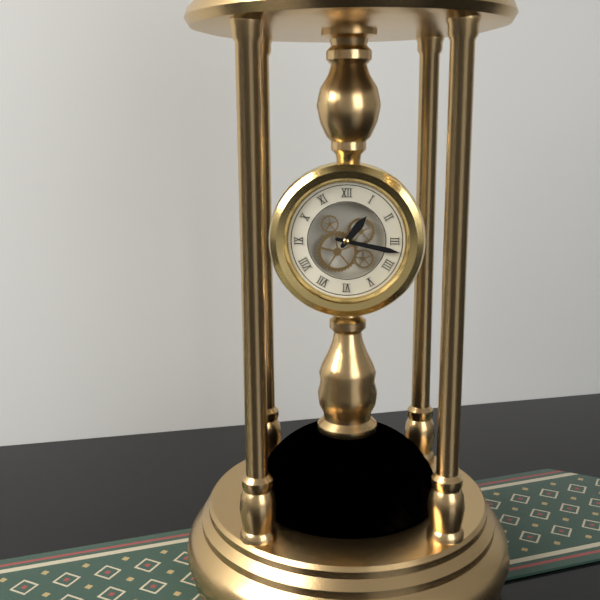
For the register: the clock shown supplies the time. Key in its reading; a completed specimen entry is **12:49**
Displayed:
**1:17**
